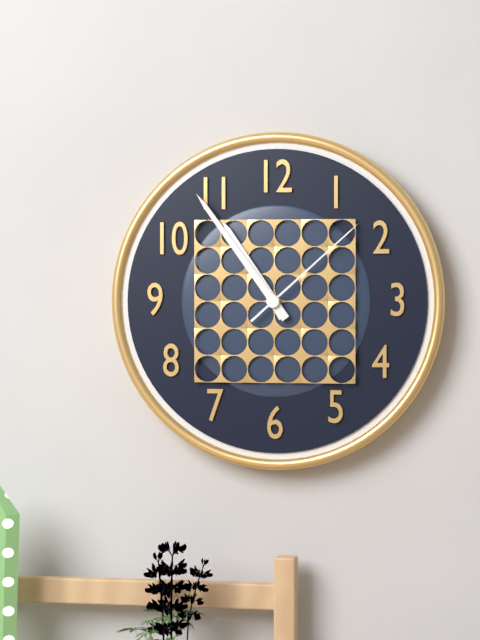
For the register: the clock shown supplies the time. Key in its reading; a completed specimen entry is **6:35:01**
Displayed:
**10:54:08**
